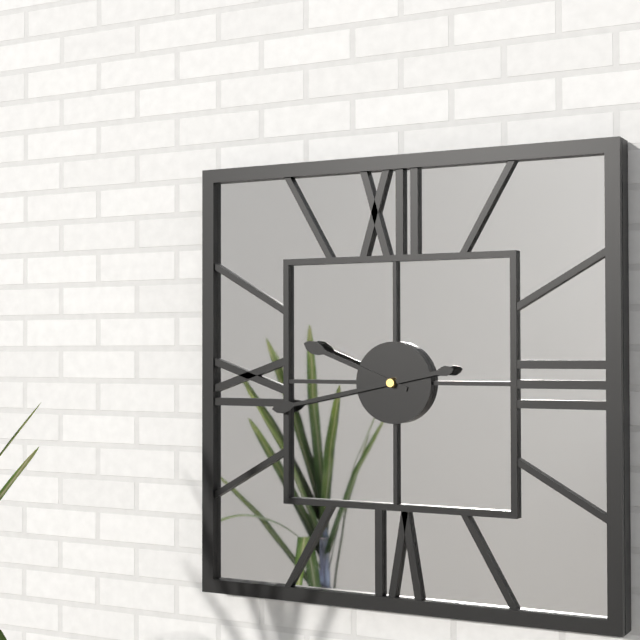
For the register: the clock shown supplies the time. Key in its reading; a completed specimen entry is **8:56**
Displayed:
**9:43**
